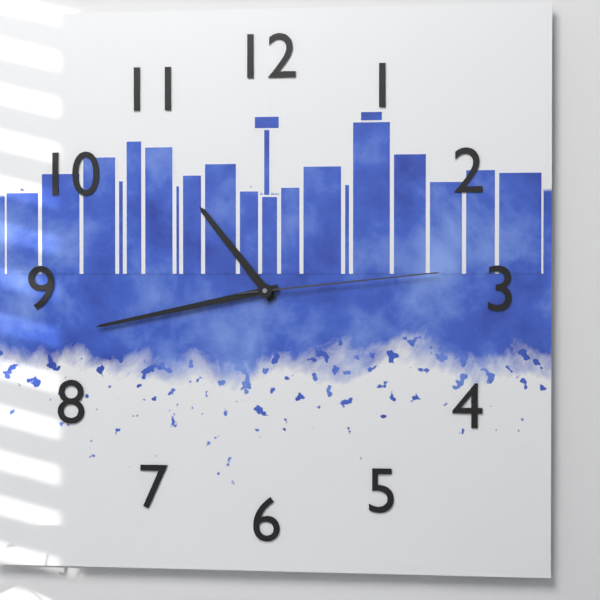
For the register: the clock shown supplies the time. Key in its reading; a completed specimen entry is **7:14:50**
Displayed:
**10:43:14**
